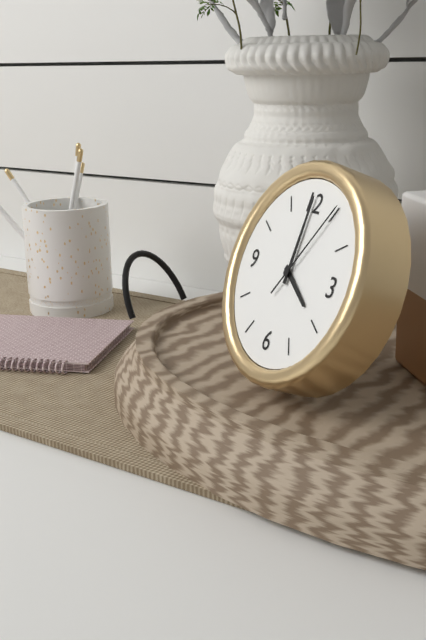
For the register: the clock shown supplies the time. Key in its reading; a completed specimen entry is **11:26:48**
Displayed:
**4:00:05**
